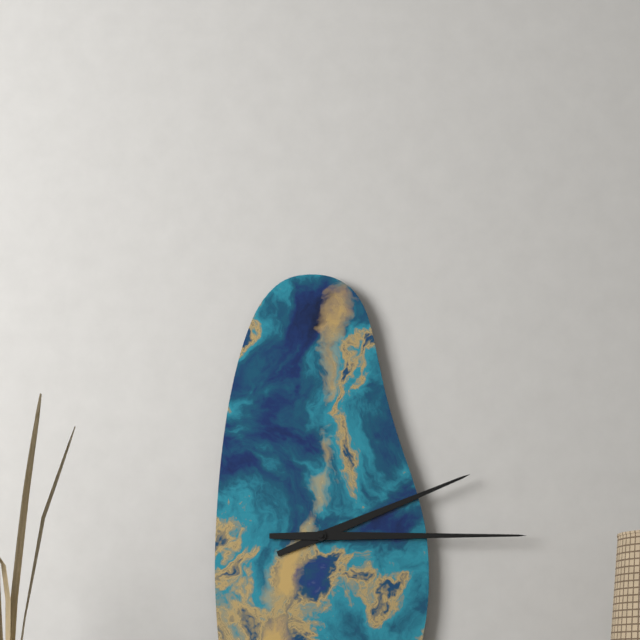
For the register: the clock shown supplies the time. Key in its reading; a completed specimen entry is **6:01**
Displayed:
**2:15**
